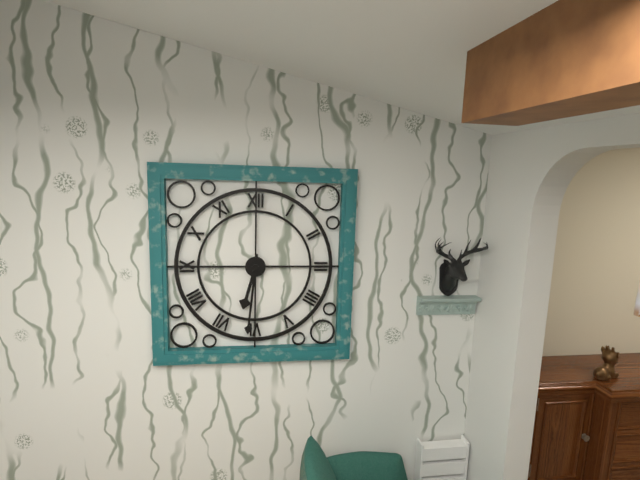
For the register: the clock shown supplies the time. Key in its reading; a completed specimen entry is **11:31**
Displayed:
**6:31**
